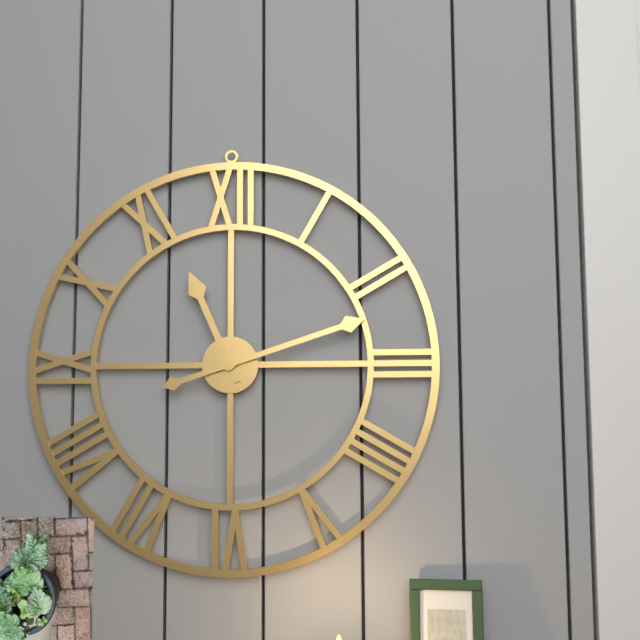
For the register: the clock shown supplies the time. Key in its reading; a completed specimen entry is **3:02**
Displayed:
**11:12**
